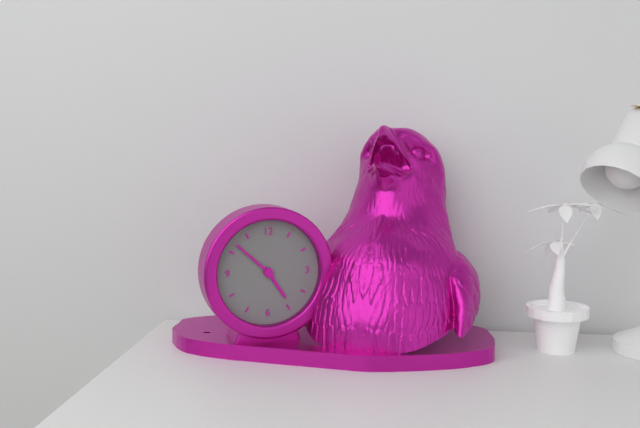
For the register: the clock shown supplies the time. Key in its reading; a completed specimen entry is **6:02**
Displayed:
**4:52**
